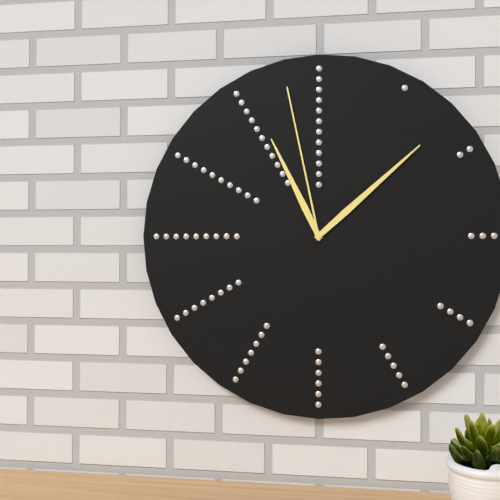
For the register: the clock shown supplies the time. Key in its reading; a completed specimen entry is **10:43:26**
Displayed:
**11:08:58**
